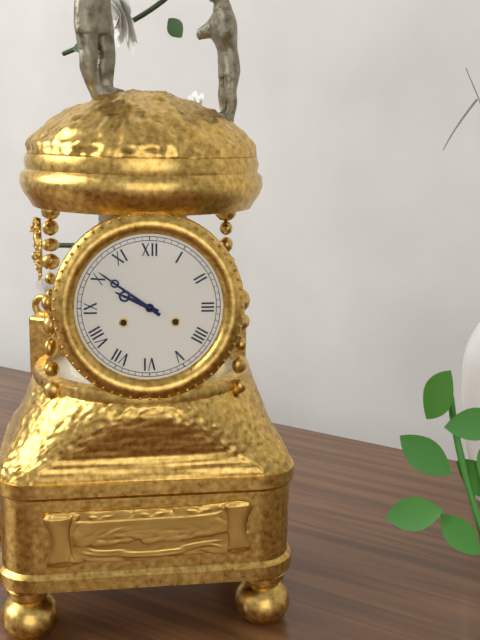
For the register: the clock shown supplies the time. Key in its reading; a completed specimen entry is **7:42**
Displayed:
**9:51**
